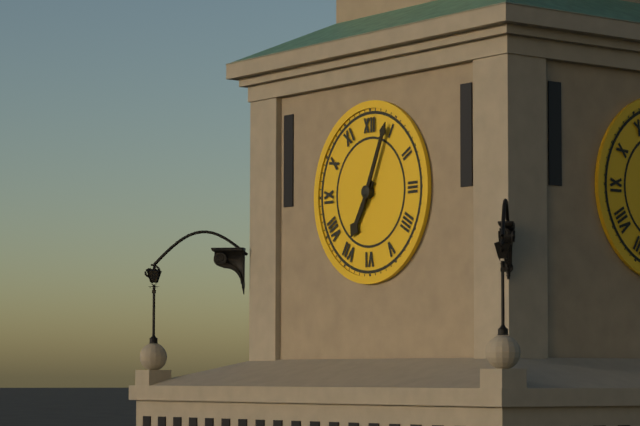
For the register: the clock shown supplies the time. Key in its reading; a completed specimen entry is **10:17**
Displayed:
**7:04**
